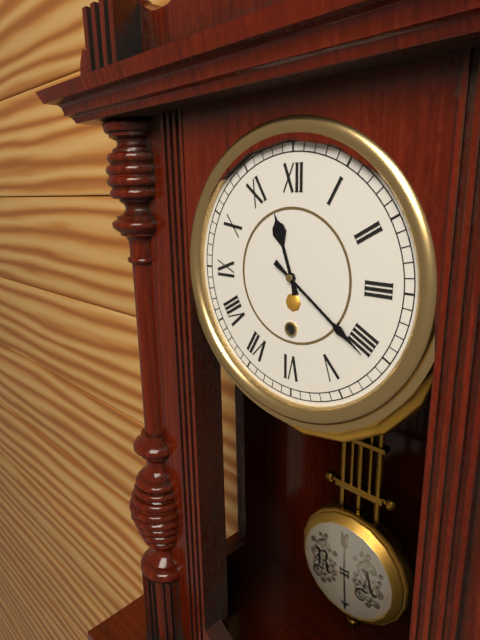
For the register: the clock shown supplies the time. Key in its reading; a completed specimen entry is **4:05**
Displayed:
**11:21**
